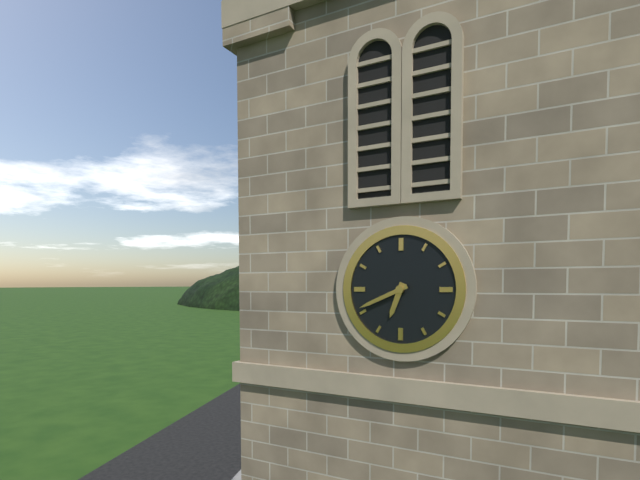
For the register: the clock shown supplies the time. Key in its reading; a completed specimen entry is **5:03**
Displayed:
**6:41**
